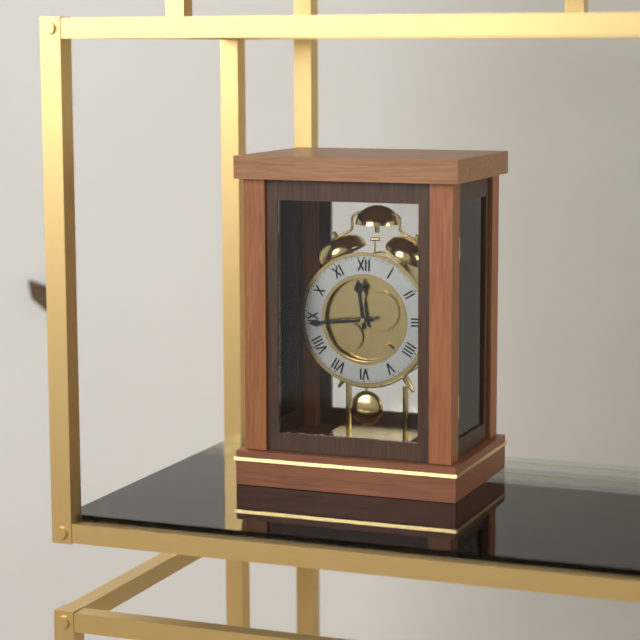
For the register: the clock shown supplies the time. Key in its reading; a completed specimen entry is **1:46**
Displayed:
**11:44**
